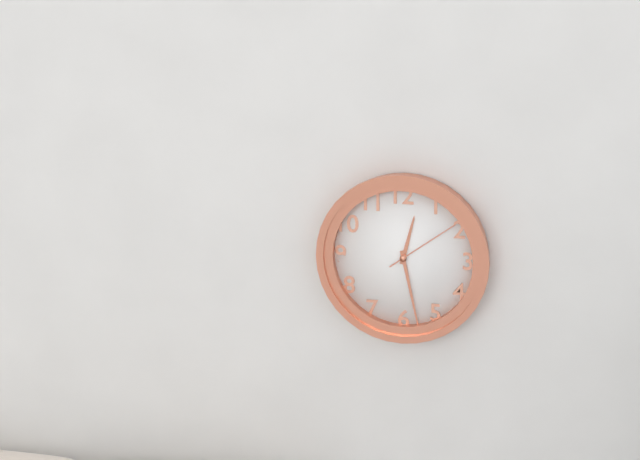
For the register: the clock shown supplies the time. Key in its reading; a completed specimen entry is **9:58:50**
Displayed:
**12:28:09**
